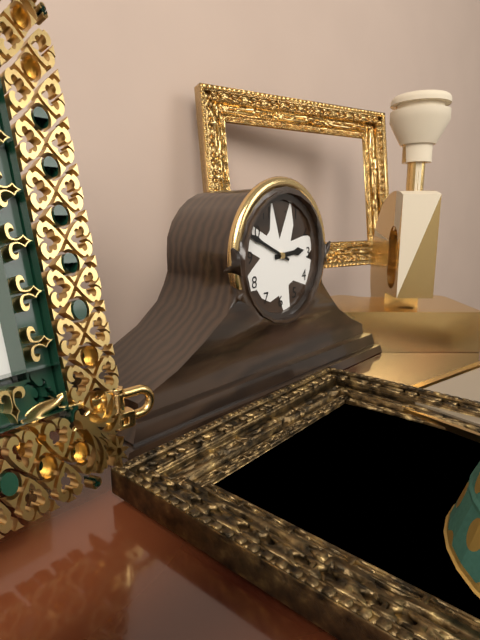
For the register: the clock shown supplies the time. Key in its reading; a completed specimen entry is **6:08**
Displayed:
**2:49**
